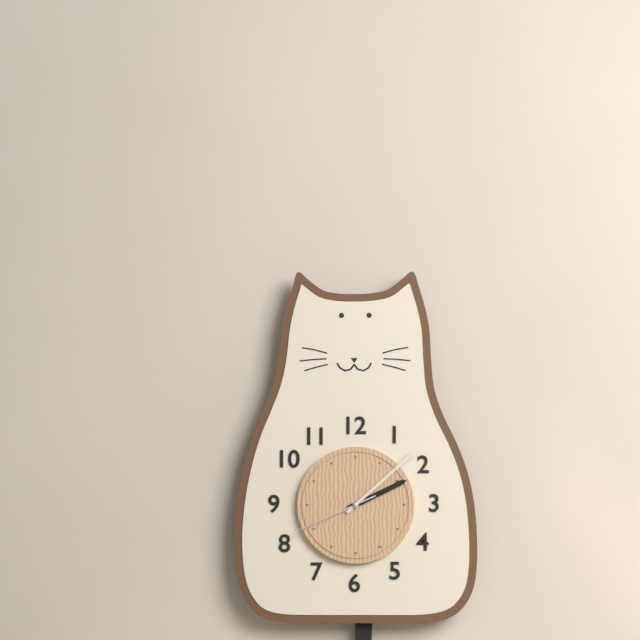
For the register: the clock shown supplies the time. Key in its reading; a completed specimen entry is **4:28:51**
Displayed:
**2:08:41**
